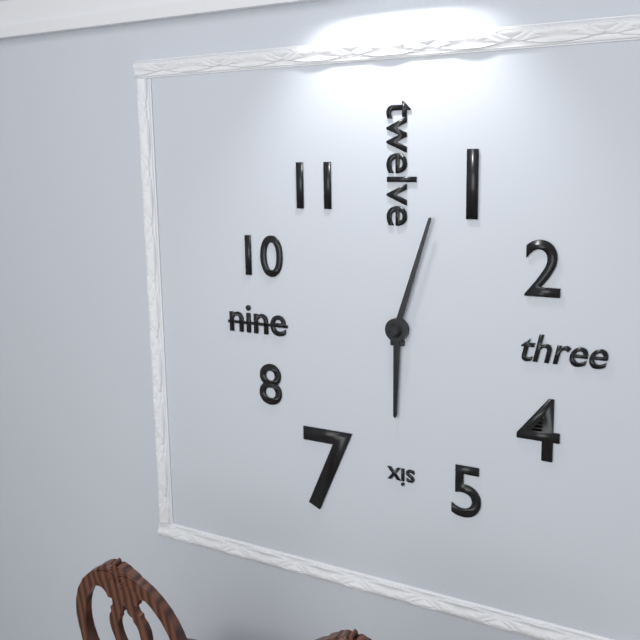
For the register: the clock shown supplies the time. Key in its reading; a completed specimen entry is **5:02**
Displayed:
**6:03**
